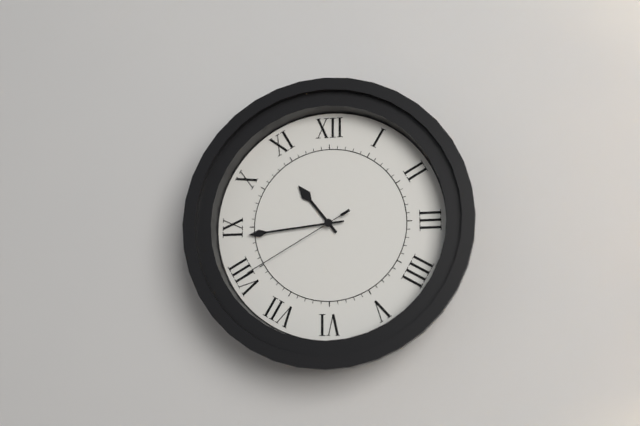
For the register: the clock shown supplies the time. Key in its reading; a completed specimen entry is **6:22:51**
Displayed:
**10:44:40**
